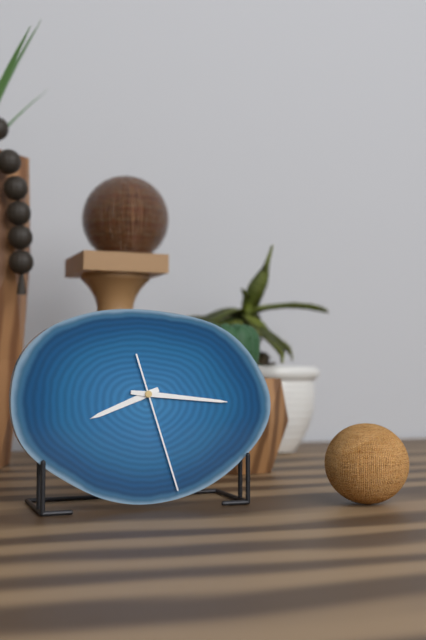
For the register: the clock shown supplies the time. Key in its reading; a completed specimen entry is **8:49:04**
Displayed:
**8:16:27**
